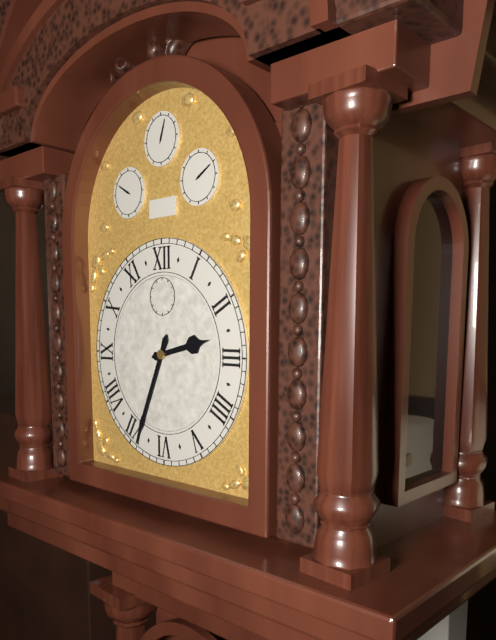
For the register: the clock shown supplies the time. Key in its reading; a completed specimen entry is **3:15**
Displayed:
**2:34**
